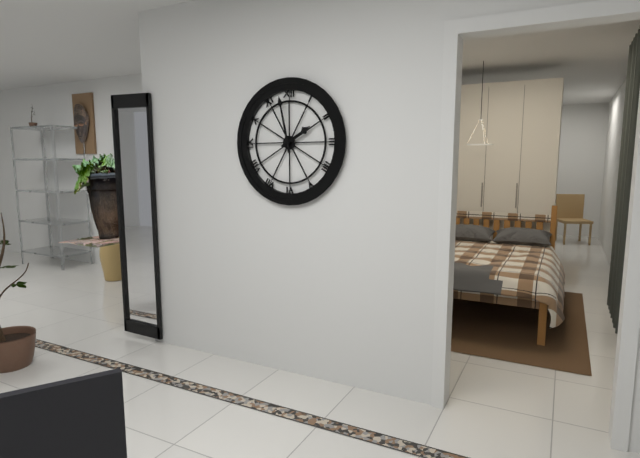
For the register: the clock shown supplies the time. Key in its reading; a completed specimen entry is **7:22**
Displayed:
**1:58**
